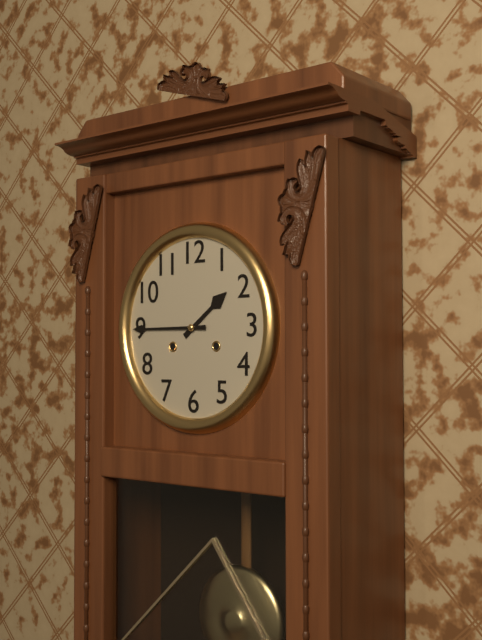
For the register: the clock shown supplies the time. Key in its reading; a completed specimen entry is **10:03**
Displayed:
**1:45**
